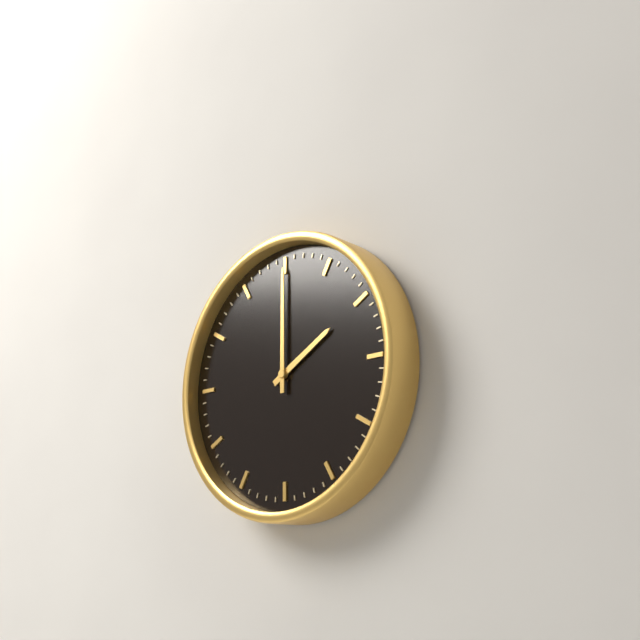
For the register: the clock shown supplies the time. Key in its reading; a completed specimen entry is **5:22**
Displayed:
**2:00**
